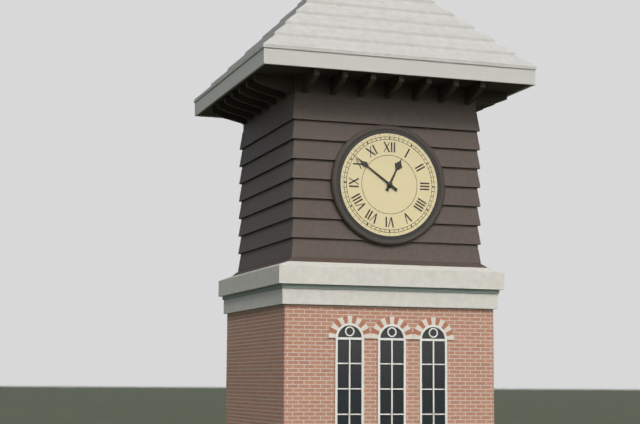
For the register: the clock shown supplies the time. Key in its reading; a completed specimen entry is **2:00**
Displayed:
**12:51**
